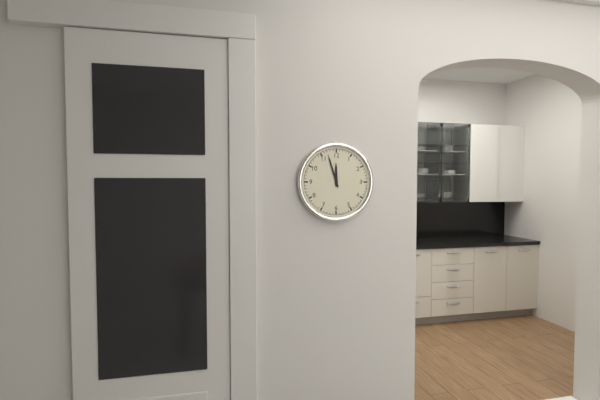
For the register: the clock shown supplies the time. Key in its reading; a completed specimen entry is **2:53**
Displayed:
**11:57**
